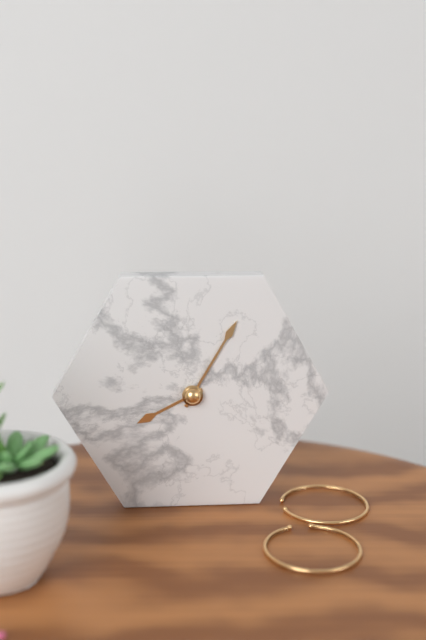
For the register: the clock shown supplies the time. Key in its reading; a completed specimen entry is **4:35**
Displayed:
**8:05**
